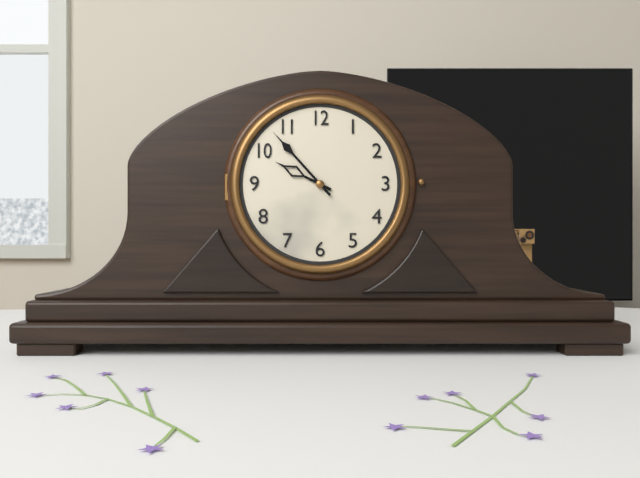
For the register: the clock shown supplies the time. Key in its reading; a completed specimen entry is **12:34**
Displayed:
**9:53**
